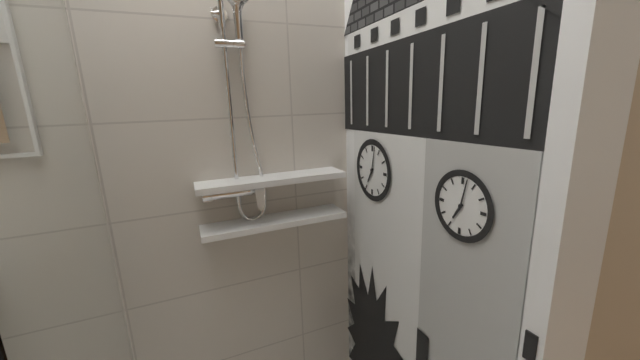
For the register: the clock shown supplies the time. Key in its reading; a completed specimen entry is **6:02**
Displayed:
**7:02**
